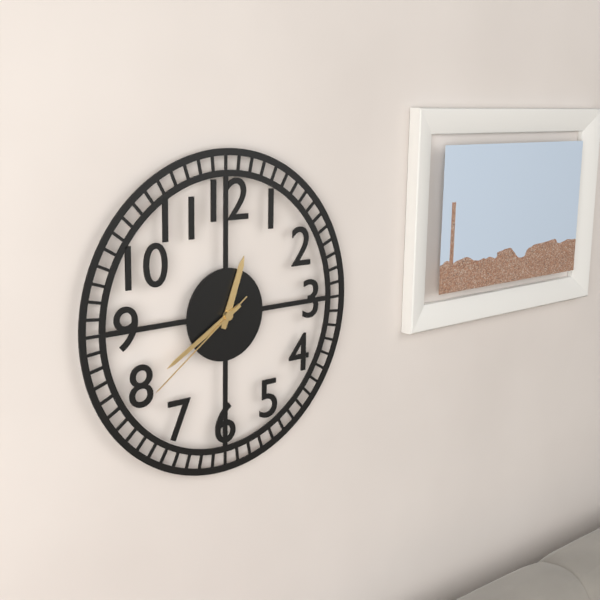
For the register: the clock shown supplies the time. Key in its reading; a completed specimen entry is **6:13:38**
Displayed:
**12:40:39**
